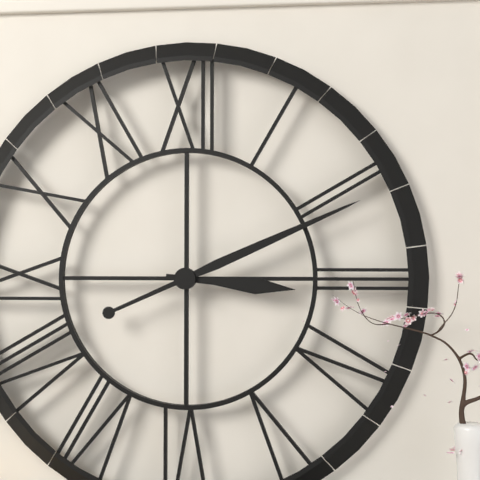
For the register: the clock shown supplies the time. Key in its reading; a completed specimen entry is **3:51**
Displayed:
**3:11**
